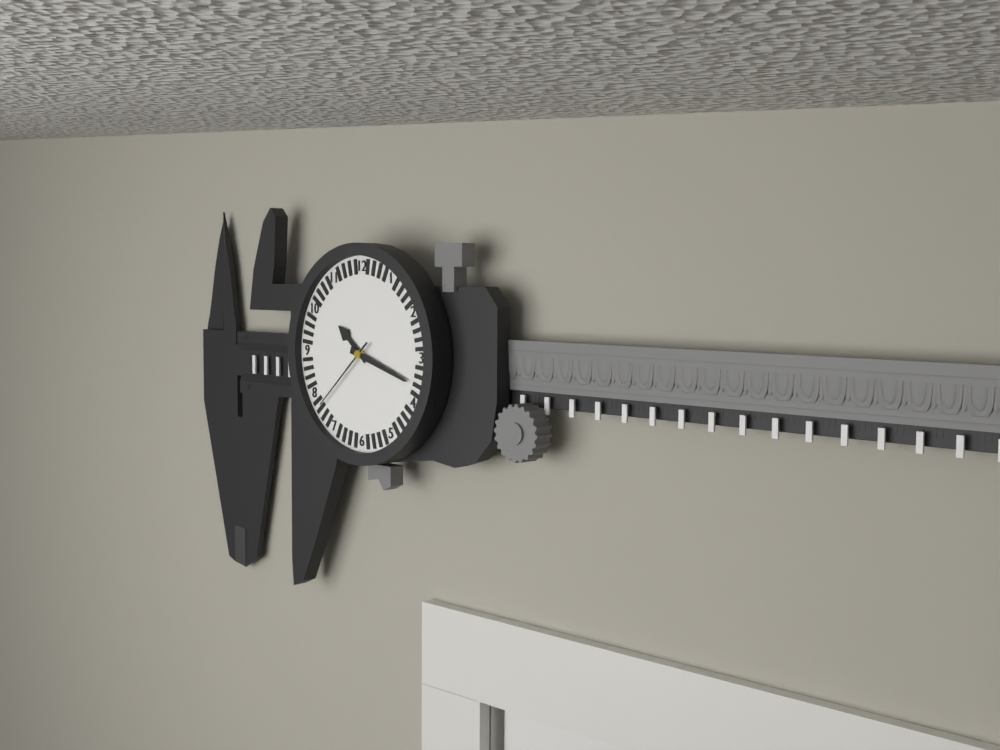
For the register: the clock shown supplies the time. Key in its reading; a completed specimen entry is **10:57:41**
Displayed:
**10:18:38**
